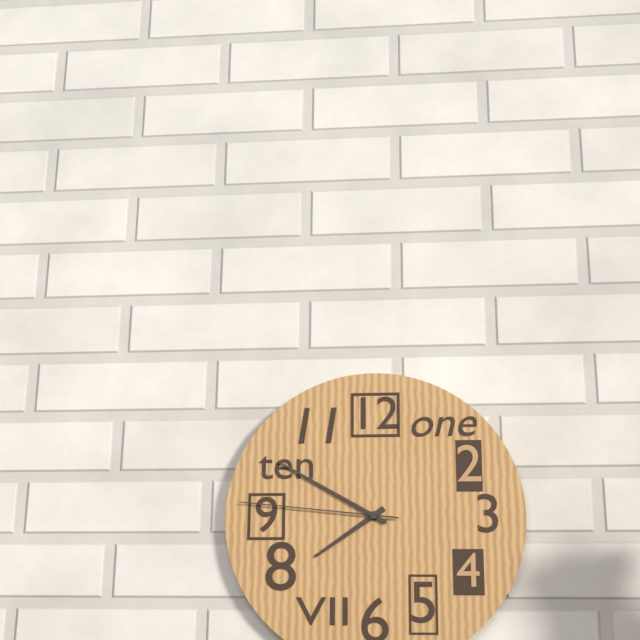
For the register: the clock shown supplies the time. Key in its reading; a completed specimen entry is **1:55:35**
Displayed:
**7:50:46**
